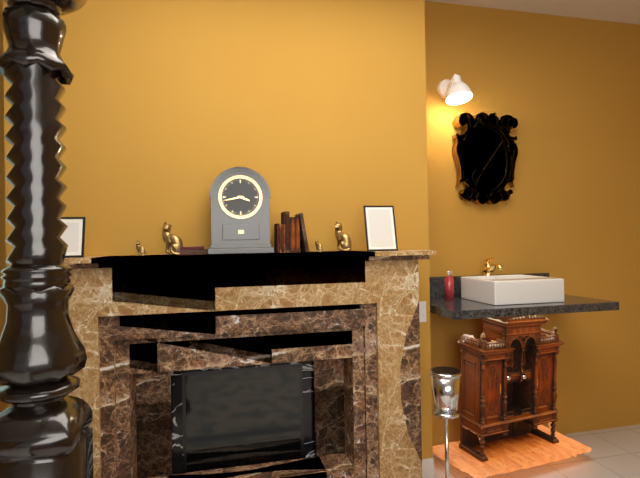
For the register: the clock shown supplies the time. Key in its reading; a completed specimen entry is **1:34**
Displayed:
**3:43**
